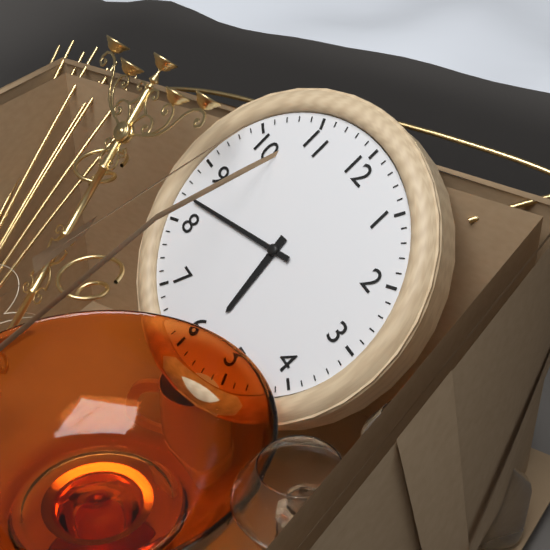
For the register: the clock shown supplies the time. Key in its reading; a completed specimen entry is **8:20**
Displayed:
**5:42**
